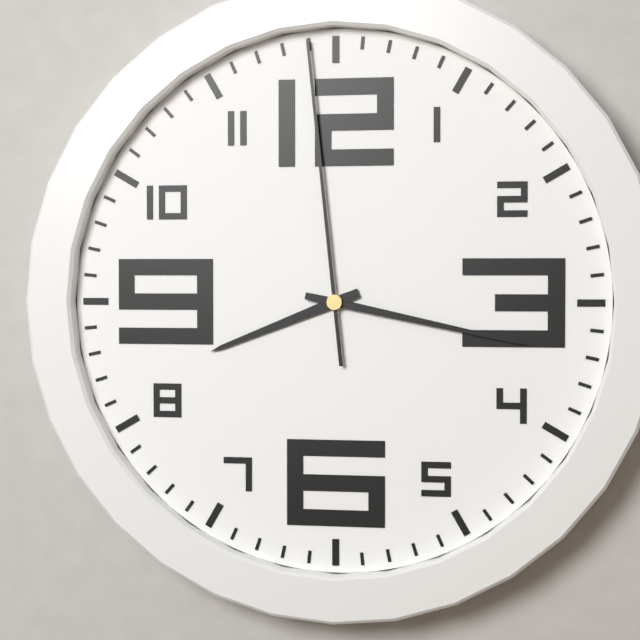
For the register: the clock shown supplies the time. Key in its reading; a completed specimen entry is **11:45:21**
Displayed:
**8:17:59**
